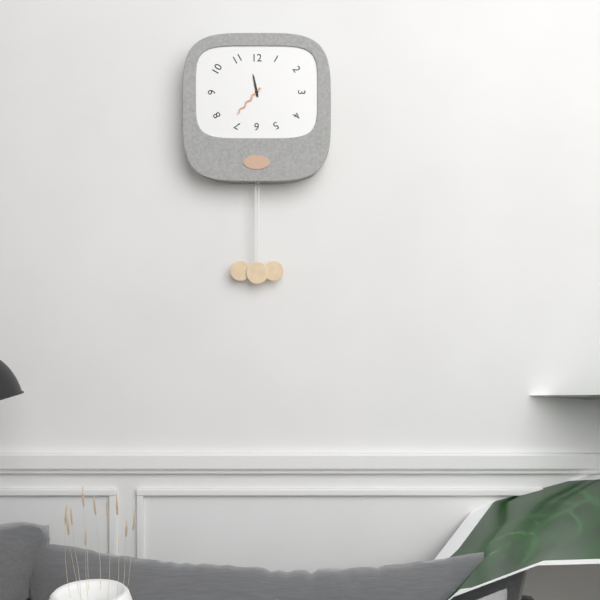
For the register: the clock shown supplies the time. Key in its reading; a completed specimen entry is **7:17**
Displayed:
**11:37**
